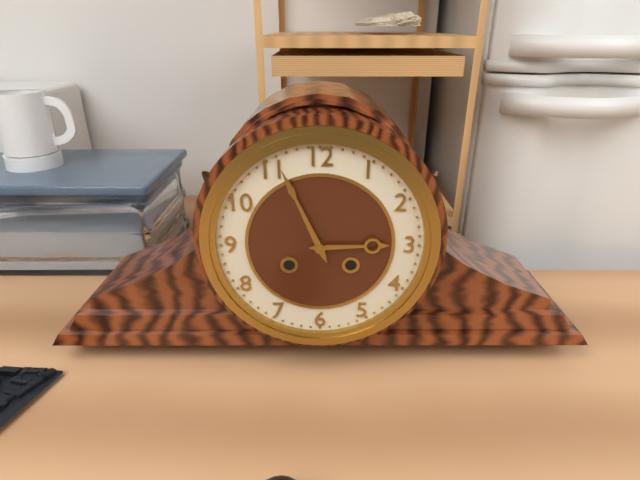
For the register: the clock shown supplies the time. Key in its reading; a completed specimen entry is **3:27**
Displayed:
**2:56**
